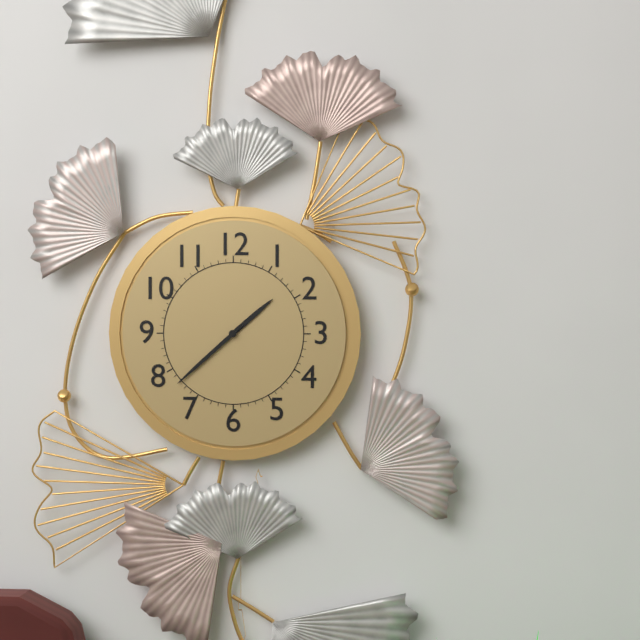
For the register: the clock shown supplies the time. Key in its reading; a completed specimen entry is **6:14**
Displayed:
**1:38**
